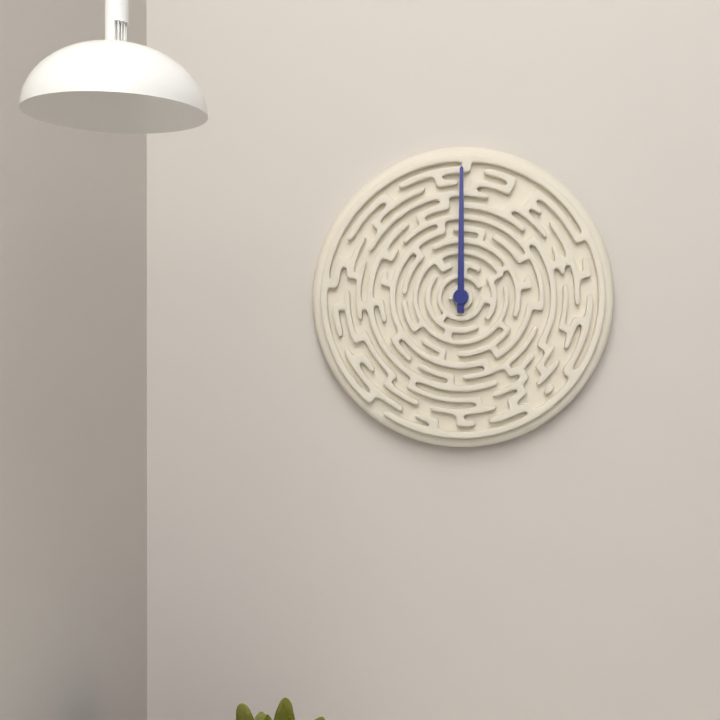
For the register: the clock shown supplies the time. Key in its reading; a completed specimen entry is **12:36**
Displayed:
**12:00**
